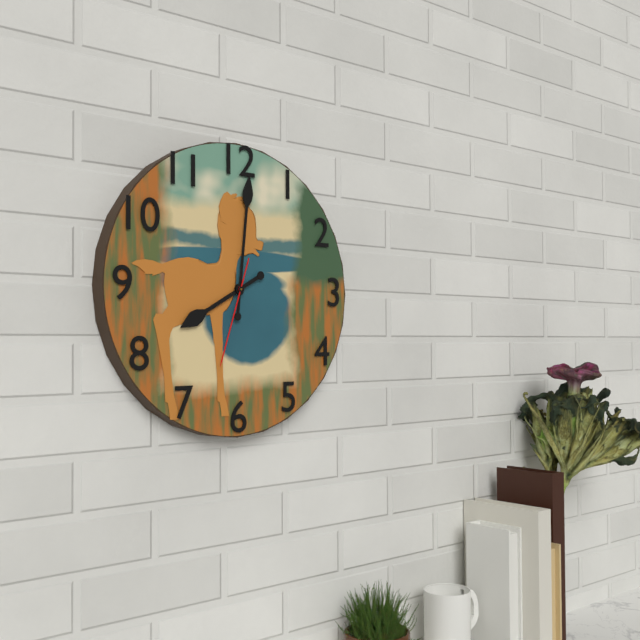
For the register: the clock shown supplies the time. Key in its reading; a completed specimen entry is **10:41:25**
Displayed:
**8:01:33**
